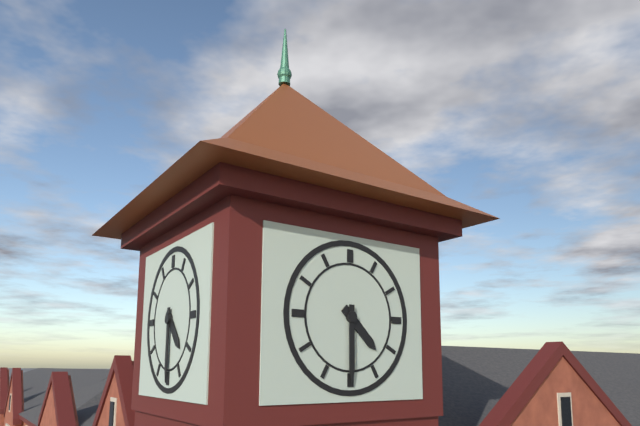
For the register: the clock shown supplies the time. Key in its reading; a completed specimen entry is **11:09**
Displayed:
**4:30**
